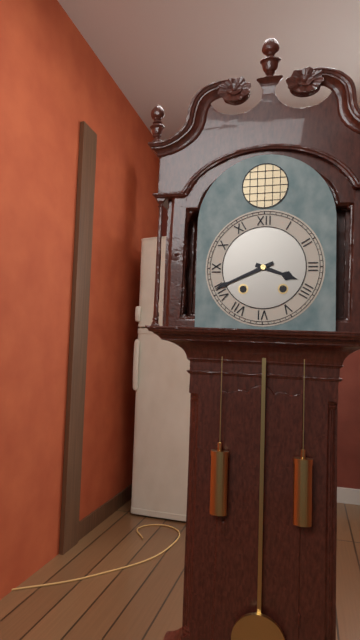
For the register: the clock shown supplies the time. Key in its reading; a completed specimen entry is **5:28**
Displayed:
**3:41**
